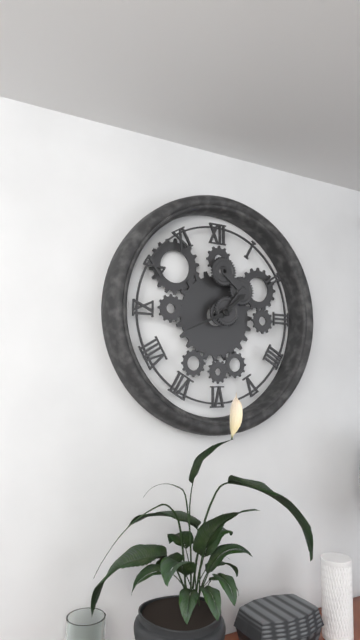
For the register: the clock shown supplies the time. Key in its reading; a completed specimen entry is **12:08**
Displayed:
**1:41**
